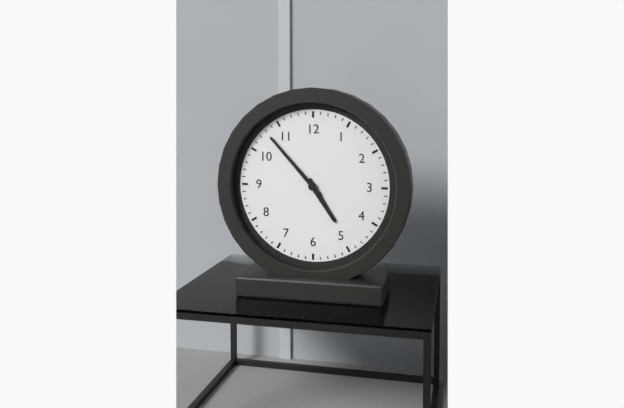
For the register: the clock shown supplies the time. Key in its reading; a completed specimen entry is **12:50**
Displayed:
**4:53**
